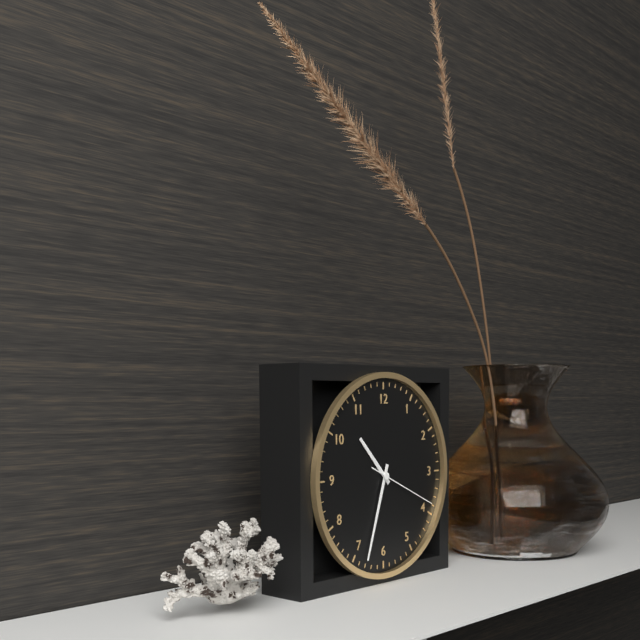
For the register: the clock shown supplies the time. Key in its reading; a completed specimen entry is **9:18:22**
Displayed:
**10:33:19**
